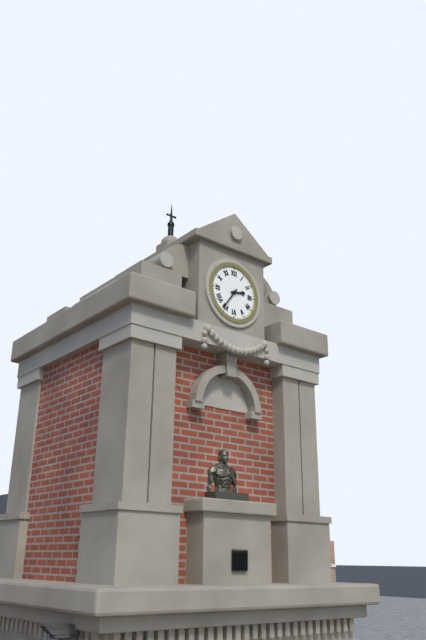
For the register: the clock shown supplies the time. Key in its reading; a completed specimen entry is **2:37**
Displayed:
**2:36**
